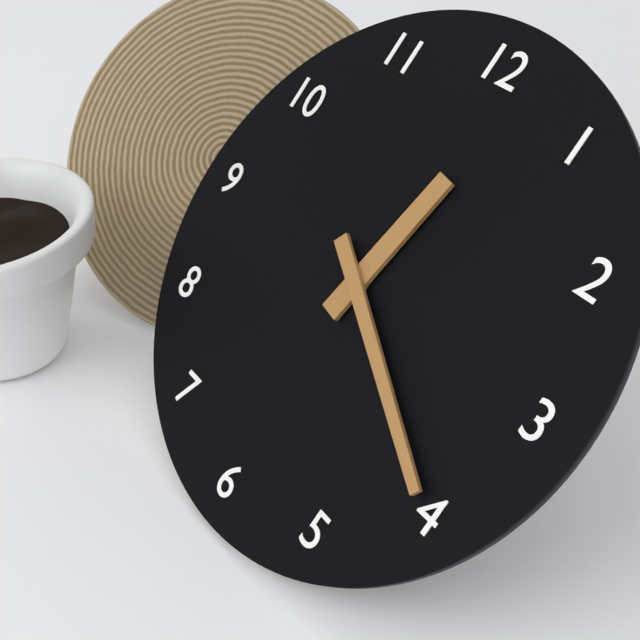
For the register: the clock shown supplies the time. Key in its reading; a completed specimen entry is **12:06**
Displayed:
**12:20**
